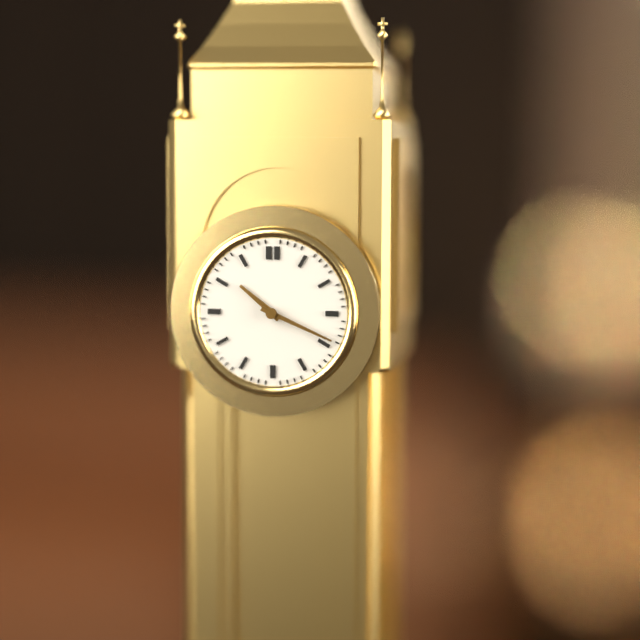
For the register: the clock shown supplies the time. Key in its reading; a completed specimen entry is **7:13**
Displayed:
**10:19**
